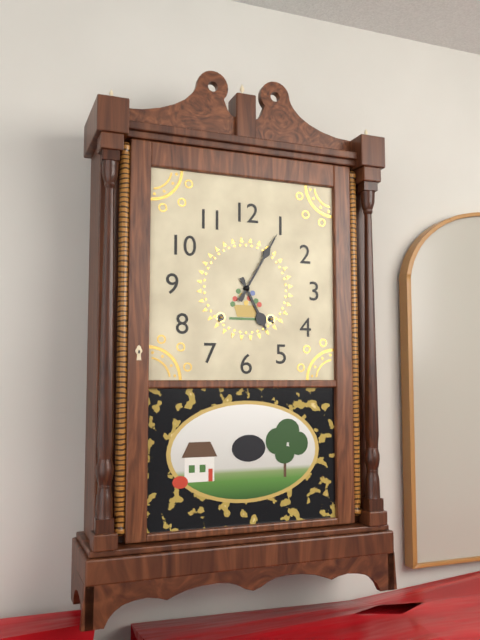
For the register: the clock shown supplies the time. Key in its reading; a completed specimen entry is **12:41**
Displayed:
**5:05**
